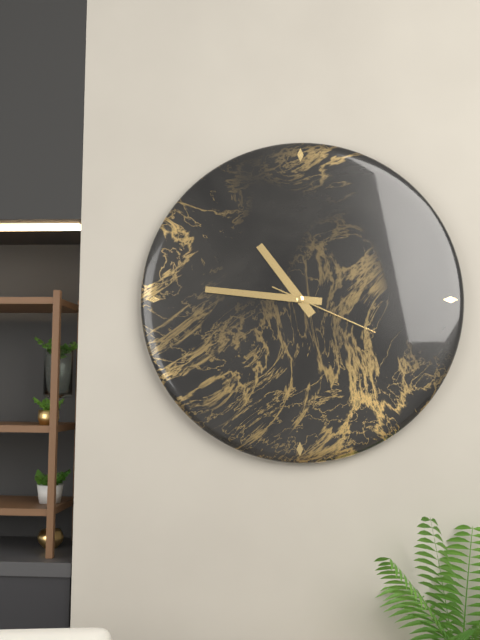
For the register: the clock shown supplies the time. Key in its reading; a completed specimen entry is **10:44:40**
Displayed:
**10:46:19**
